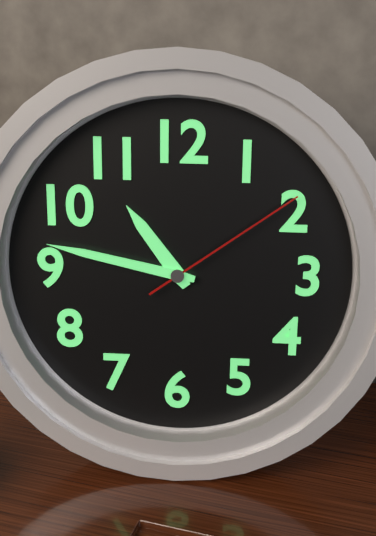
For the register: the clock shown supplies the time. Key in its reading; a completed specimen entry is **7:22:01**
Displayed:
**10:47:09**
